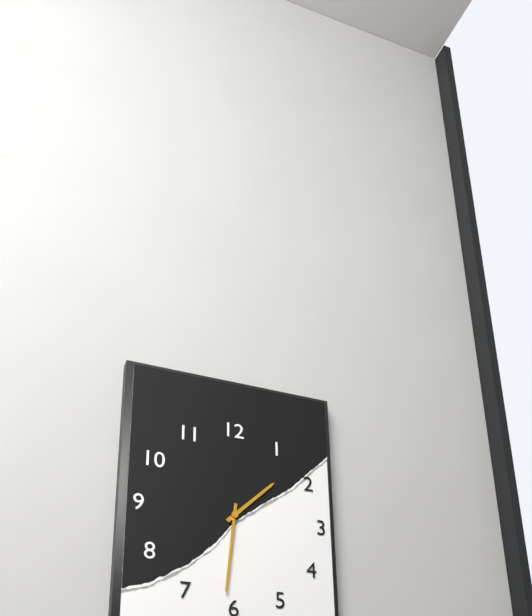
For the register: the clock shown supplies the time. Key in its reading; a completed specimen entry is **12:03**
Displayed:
**1:31**
